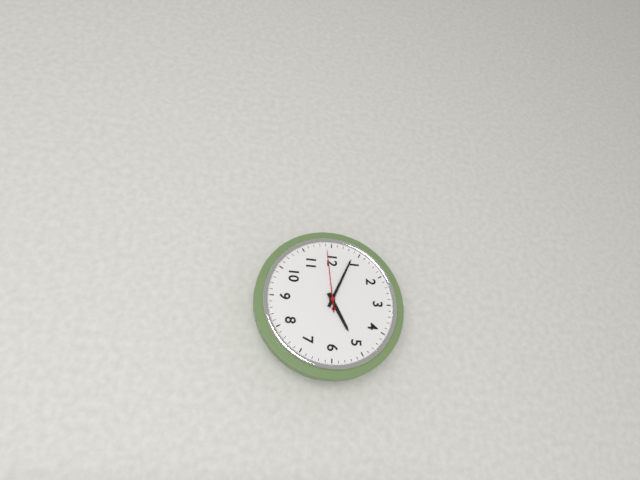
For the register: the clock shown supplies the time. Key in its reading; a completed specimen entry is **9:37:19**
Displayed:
**5:04:59**
